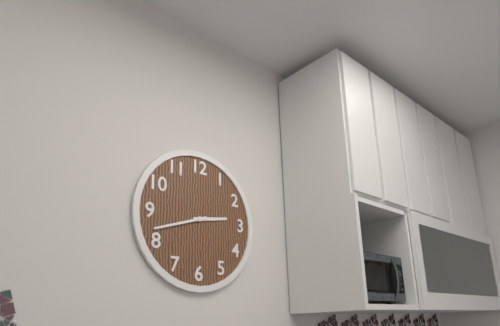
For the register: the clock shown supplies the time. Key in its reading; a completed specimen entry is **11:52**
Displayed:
**2:42**
